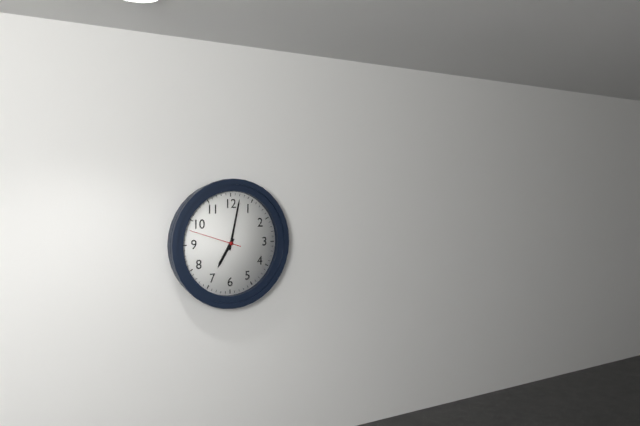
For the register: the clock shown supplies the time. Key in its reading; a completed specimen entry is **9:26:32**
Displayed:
**7:02:48**
